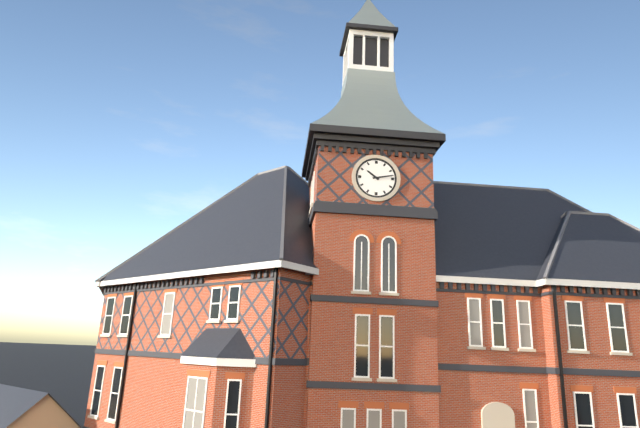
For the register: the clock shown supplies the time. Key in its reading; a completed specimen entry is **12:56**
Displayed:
**10:13**
